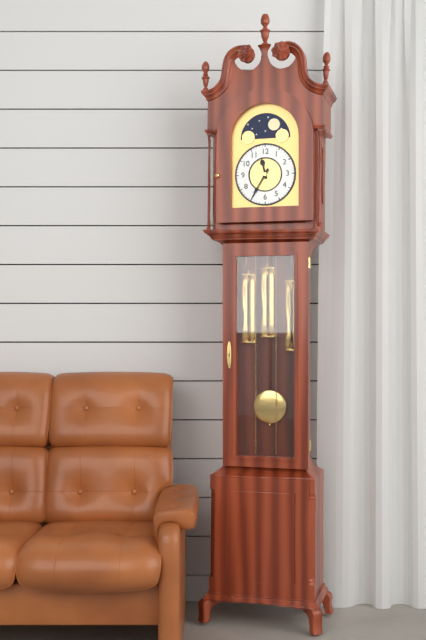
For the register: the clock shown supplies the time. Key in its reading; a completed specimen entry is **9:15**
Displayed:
**11:35**
